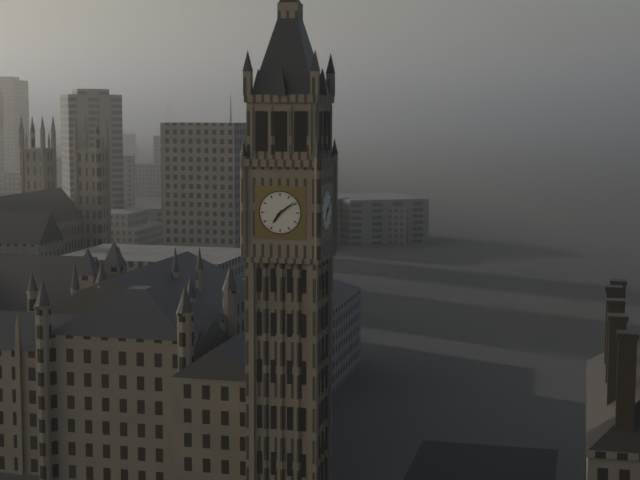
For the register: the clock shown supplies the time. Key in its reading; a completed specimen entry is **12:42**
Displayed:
**7:09**
